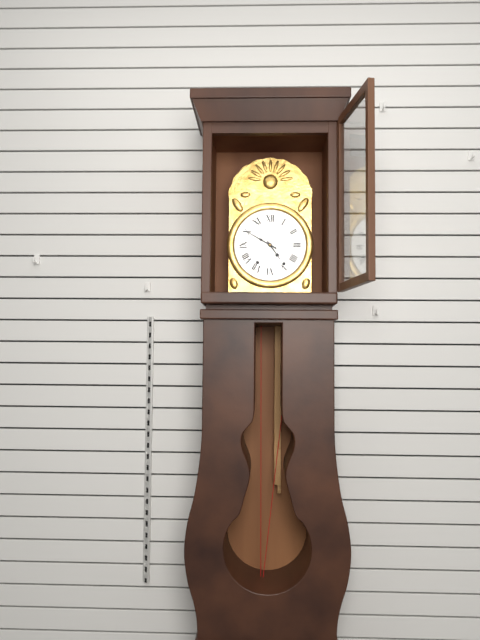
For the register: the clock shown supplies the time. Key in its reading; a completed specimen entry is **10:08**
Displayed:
**4:50**
